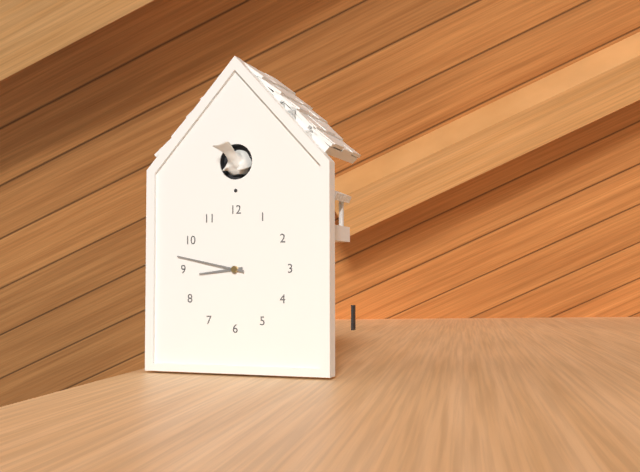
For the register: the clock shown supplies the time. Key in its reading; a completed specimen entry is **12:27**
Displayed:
**8:47**
